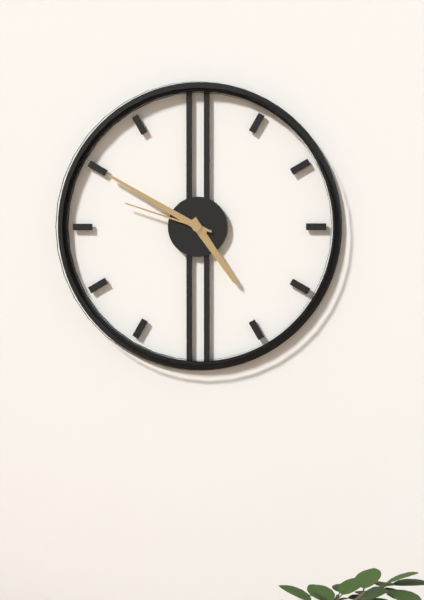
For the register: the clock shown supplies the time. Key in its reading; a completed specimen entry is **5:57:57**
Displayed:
**4:50:48**
